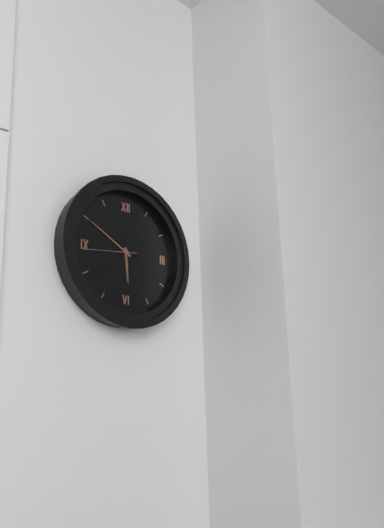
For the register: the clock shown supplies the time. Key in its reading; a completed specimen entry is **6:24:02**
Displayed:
**5:50:44**
